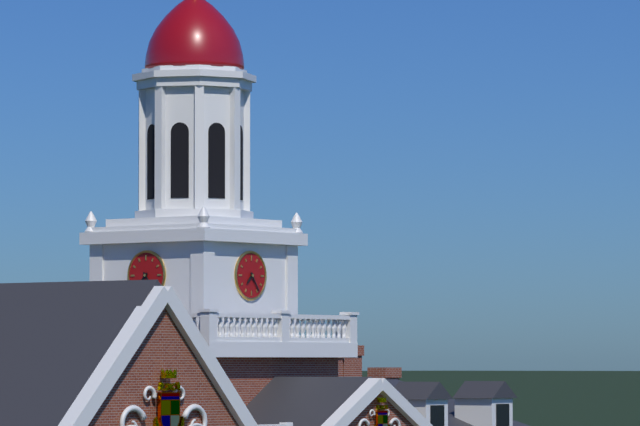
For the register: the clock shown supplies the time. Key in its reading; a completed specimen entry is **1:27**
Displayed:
**7:24**
